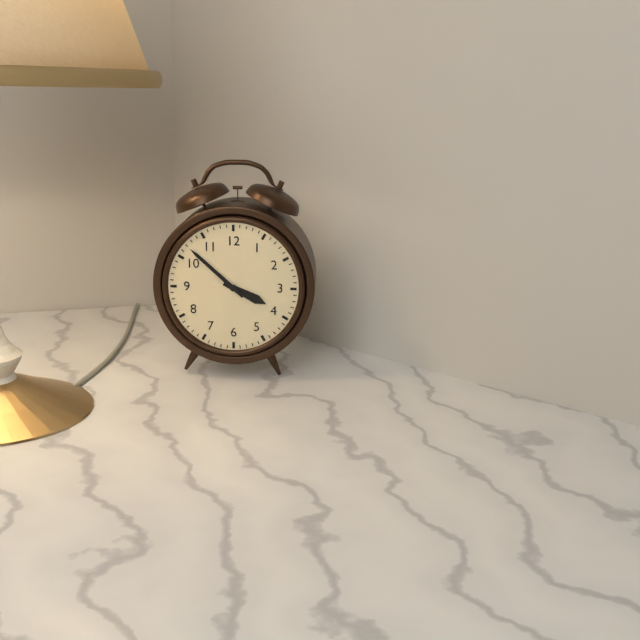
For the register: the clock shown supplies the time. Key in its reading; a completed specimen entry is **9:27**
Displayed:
**3:52**
